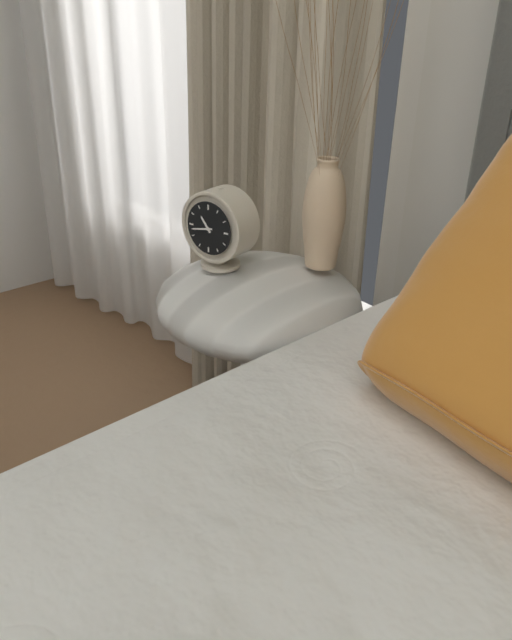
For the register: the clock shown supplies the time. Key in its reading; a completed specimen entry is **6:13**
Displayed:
**10:43**
